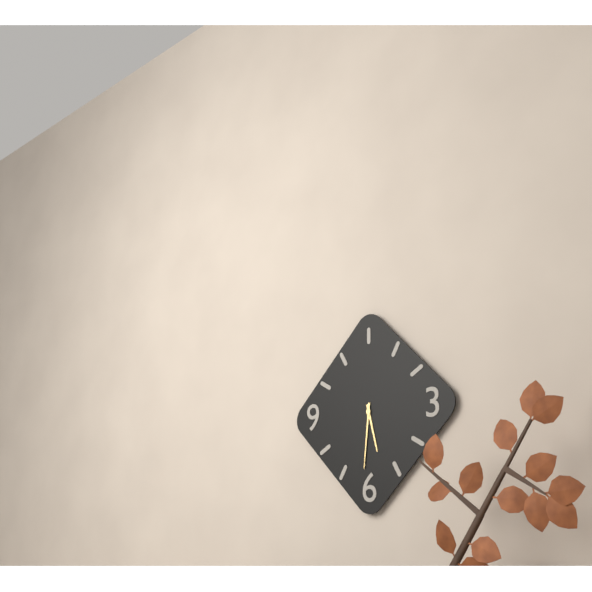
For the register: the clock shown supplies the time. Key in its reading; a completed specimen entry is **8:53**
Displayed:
**5:31**
